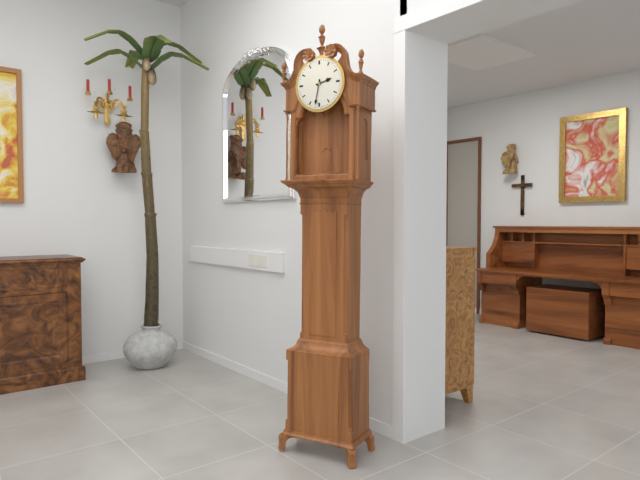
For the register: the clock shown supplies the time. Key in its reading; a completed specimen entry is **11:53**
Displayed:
**2:32**
